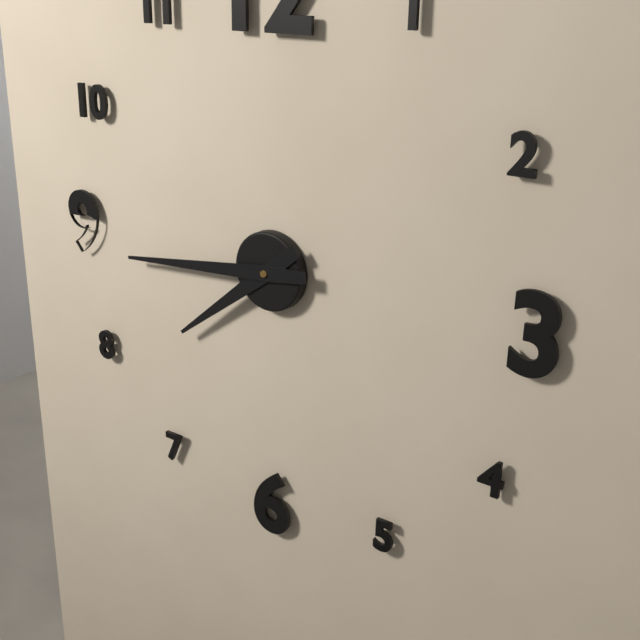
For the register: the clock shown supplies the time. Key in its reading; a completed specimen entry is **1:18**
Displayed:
**7:44**
